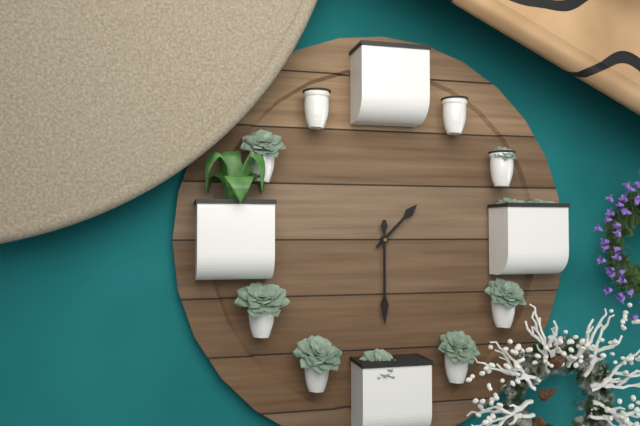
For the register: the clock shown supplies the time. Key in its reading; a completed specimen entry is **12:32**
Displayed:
**1:30**
